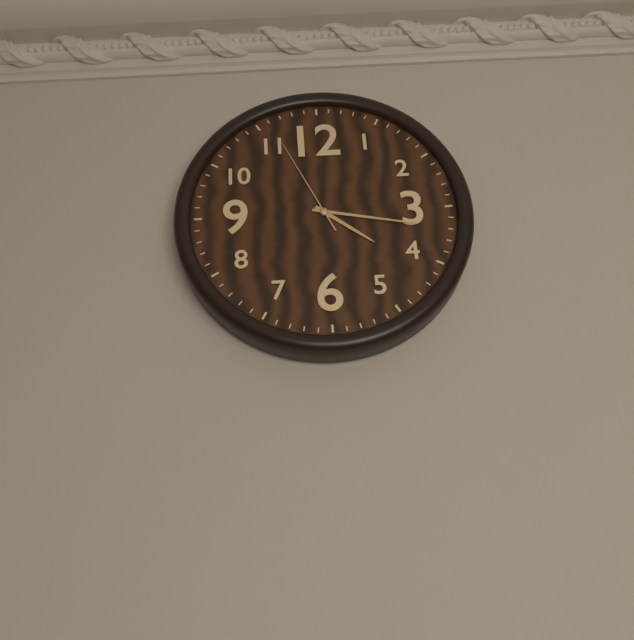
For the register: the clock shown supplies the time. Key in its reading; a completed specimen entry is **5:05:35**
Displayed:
**4:17:56**
